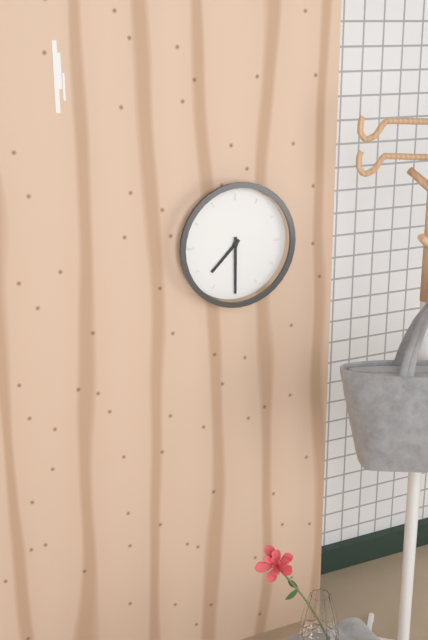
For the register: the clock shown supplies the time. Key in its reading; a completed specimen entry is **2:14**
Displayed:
**7:30**
